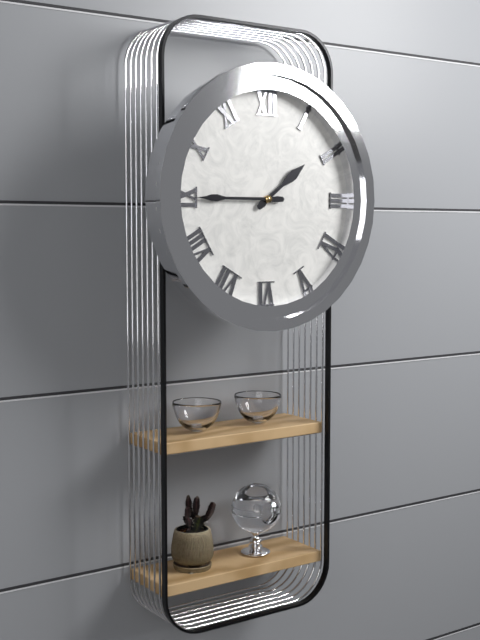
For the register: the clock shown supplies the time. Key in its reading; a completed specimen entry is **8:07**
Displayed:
**1:45**
